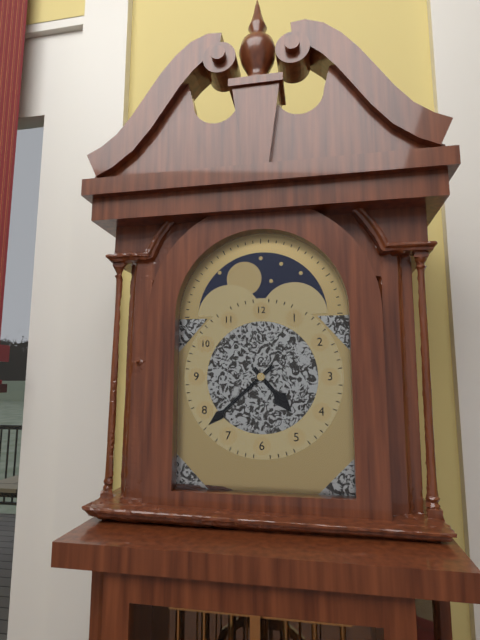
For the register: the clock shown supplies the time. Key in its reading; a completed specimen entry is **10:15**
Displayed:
**4:38**
